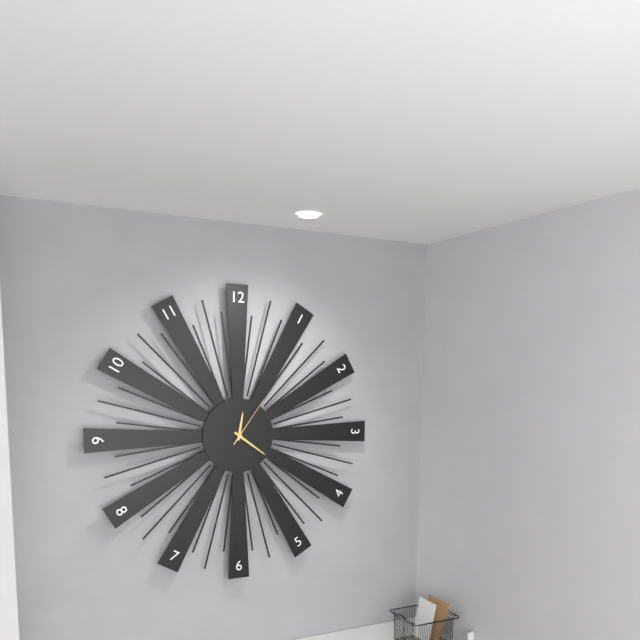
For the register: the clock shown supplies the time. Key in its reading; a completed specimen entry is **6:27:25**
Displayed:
**12:21:06**
